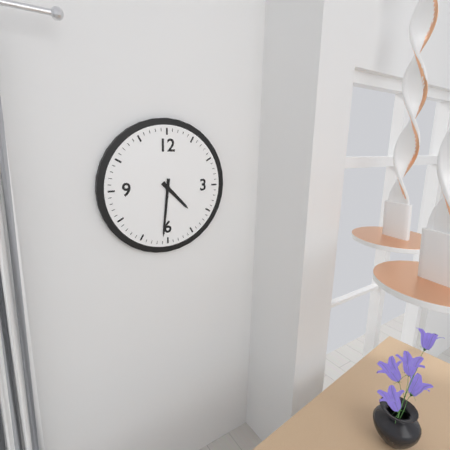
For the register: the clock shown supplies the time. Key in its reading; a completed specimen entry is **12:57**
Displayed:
**4:31**
